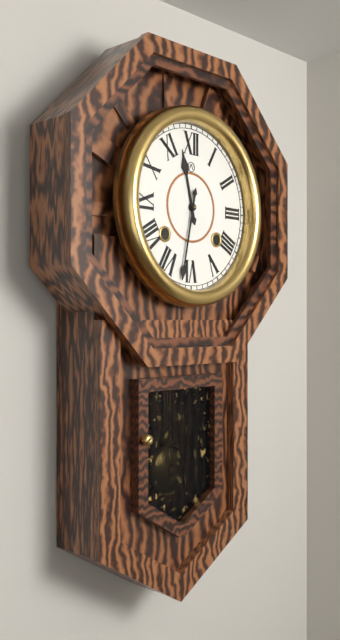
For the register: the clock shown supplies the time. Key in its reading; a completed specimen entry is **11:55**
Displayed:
**11:32**
